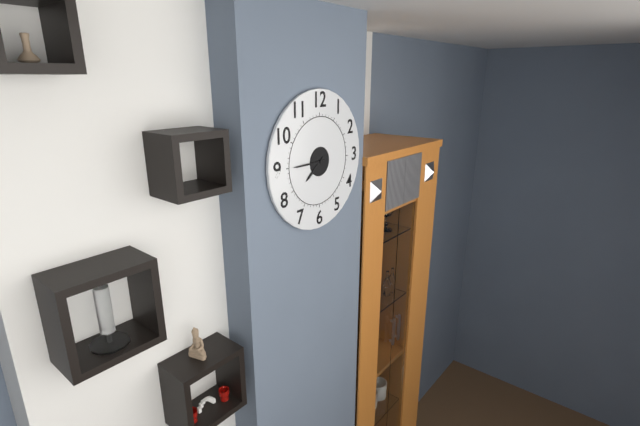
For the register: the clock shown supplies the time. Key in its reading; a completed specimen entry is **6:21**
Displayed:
**7:45**
